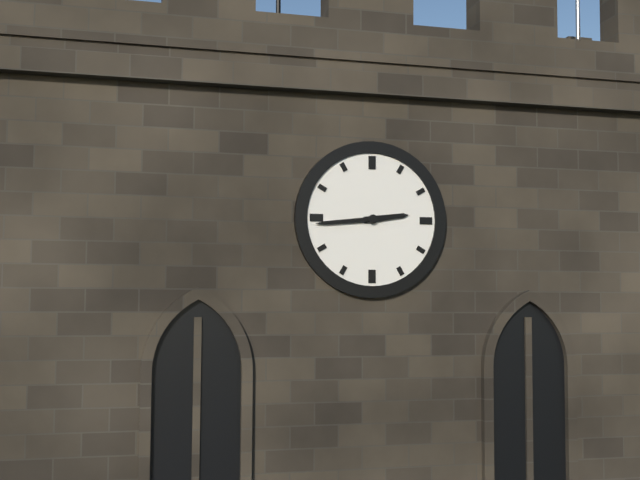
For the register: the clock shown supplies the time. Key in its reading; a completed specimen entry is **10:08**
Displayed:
**2:44**
